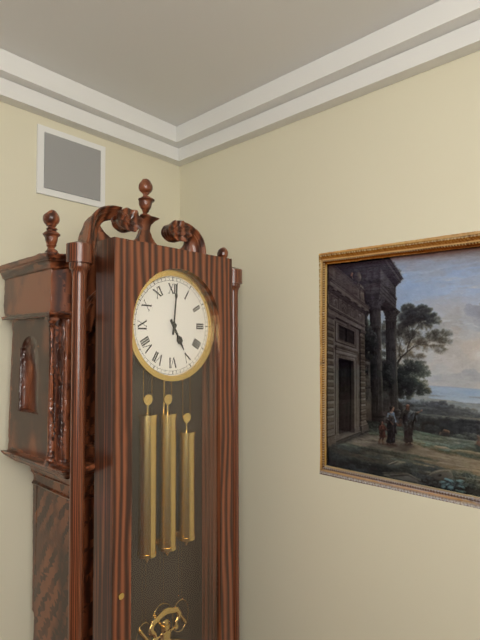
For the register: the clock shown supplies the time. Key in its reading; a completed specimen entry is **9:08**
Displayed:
**5:01**
